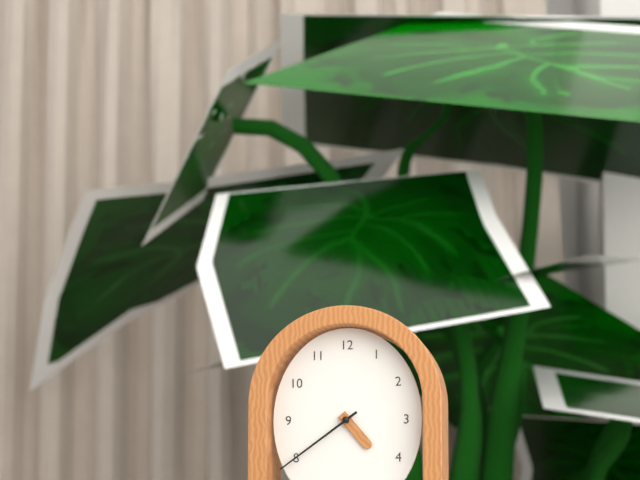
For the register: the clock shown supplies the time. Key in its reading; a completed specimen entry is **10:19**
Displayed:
**4:39**
